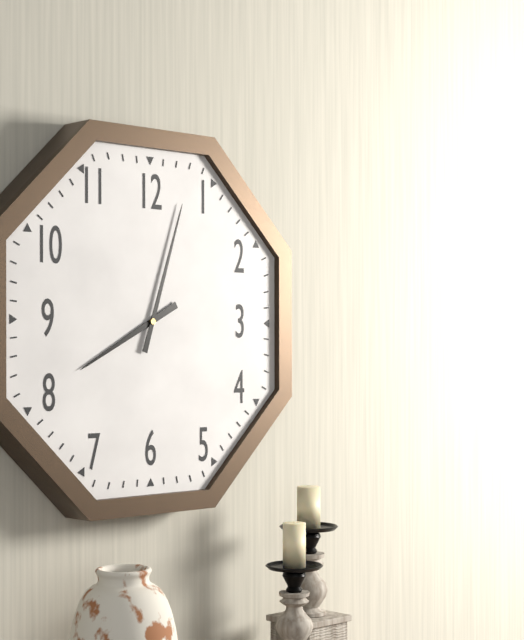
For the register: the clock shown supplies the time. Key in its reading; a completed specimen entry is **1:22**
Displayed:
**8:03**
